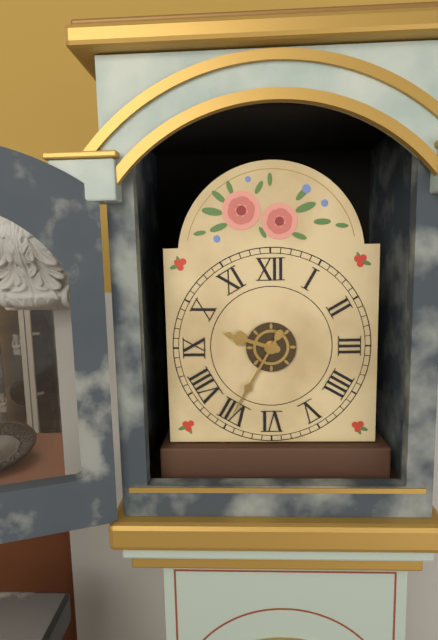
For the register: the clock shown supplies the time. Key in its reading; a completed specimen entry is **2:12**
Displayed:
**9:35**
